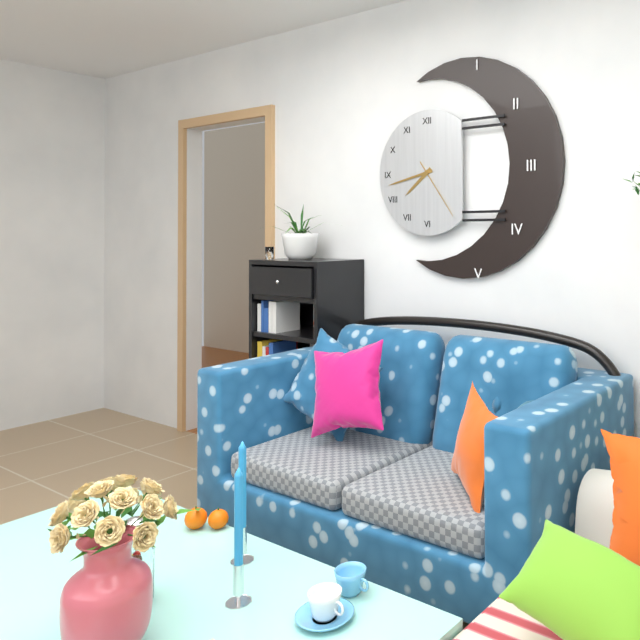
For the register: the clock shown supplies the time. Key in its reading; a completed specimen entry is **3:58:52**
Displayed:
**7:43:24**
